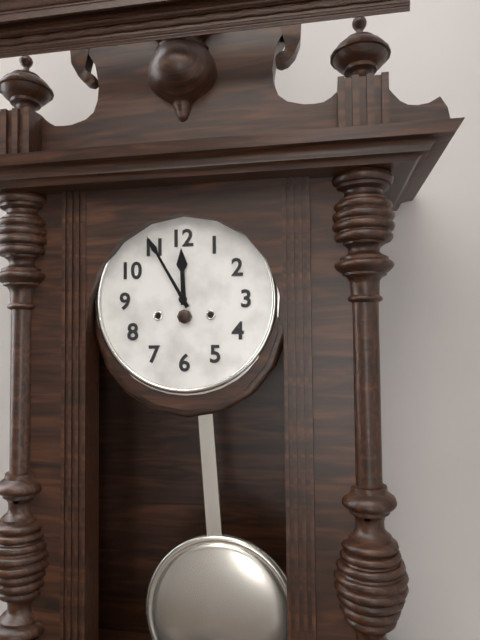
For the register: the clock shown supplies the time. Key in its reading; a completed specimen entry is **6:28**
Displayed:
**11:55**
